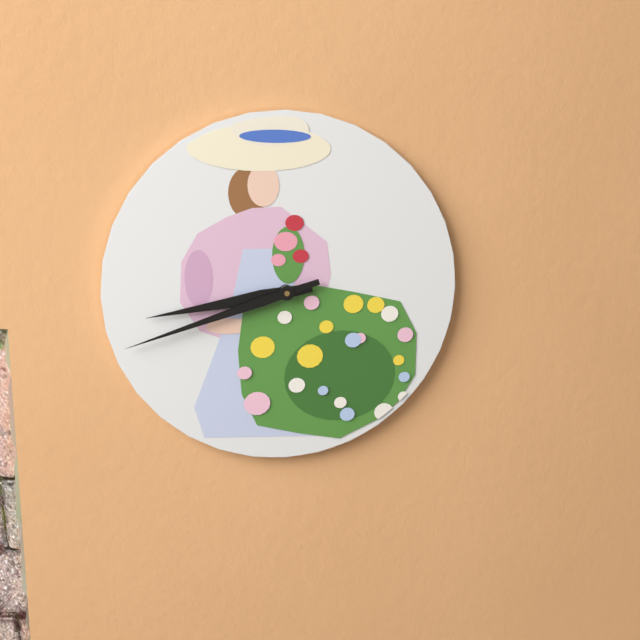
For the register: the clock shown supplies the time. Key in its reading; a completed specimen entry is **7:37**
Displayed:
**8:42**
